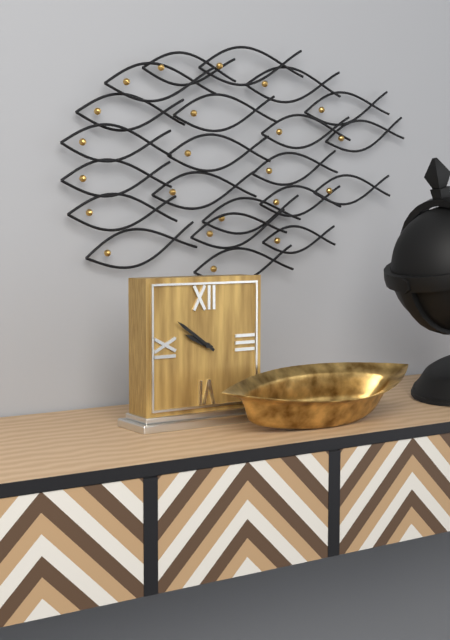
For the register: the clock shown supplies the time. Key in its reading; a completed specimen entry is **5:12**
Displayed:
**9:51**
